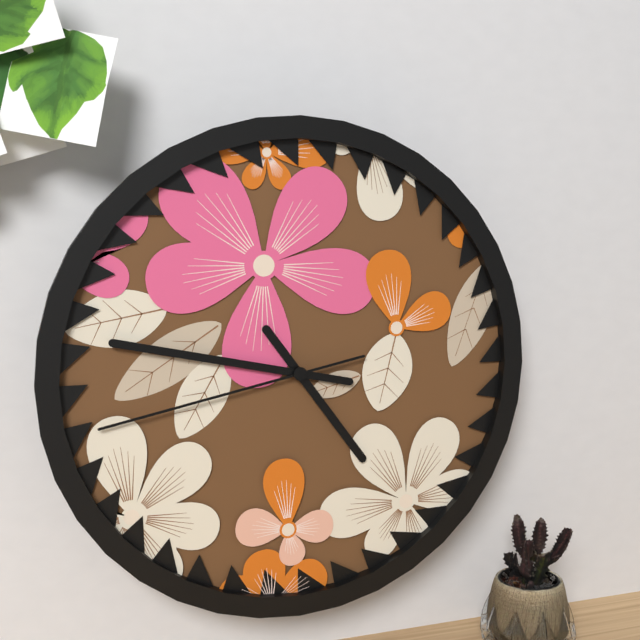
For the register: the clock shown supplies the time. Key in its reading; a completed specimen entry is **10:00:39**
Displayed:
**4:47:43**
